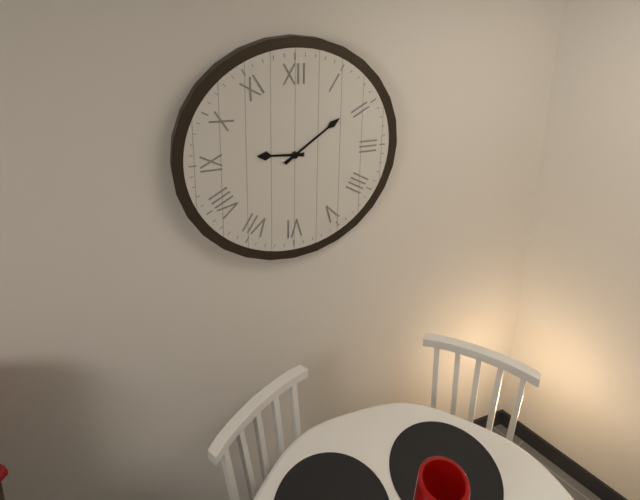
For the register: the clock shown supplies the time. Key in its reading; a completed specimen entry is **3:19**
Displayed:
**9:09**
